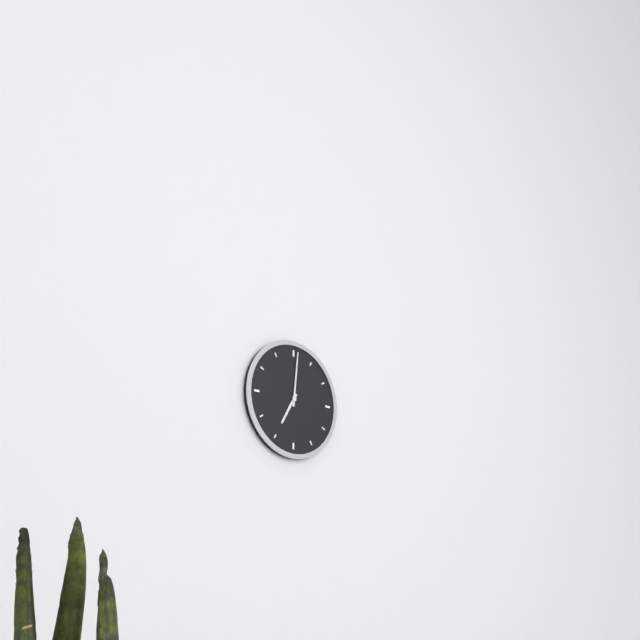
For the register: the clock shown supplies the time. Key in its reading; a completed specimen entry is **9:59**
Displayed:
**7:01**
